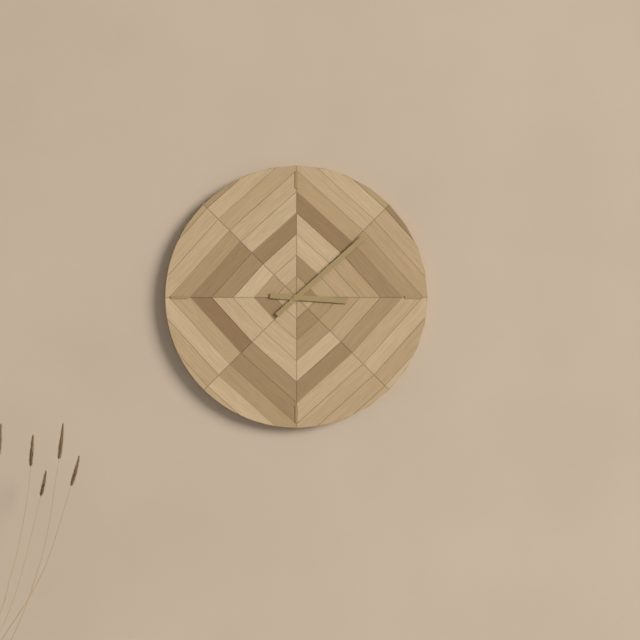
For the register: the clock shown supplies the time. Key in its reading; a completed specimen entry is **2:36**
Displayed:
**3:08**
